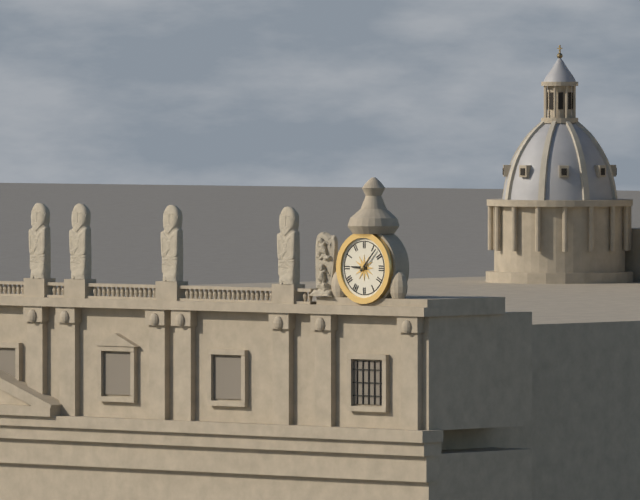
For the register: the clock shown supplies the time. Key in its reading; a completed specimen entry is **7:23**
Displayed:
**9:07**
